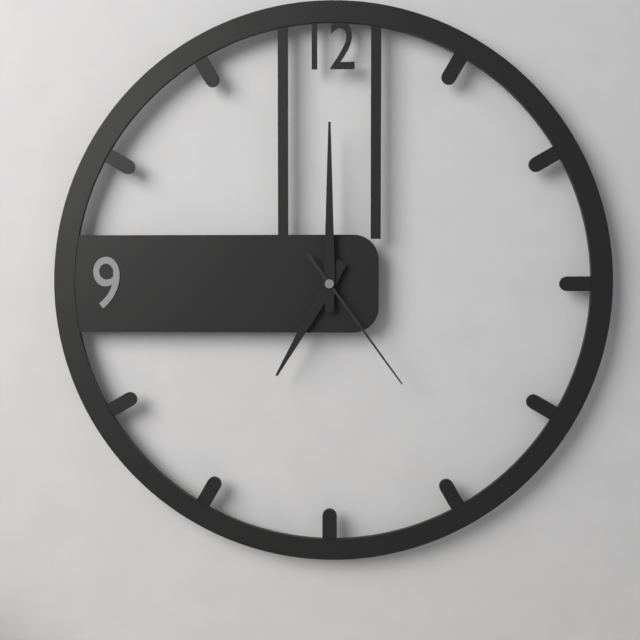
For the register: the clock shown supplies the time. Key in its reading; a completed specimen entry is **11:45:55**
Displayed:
**7:00:24**
